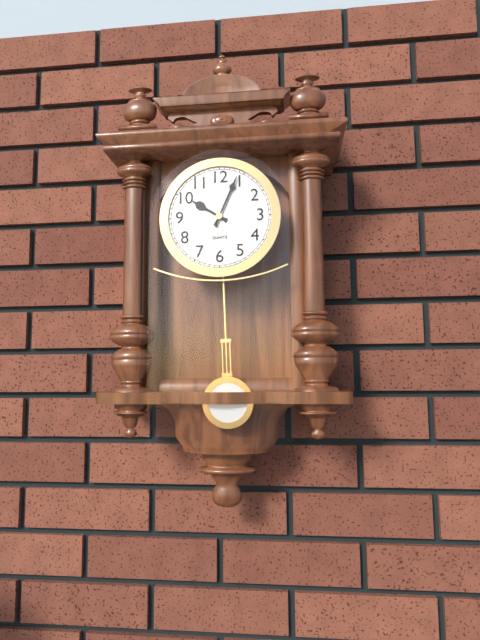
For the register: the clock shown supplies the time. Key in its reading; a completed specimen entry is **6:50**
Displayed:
**10:04**
